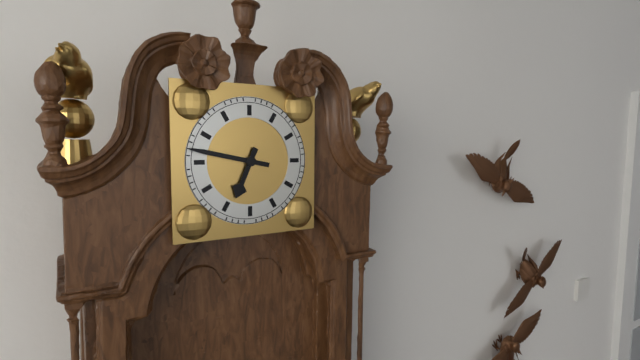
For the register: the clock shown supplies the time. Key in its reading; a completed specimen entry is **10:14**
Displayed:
**6:47**
